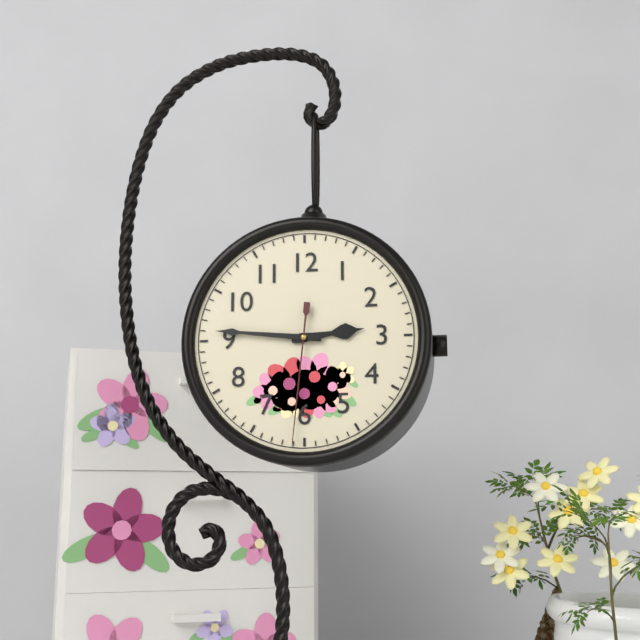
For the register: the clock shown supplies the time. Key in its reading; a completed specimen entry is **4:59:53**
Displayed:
**2:46:31**
